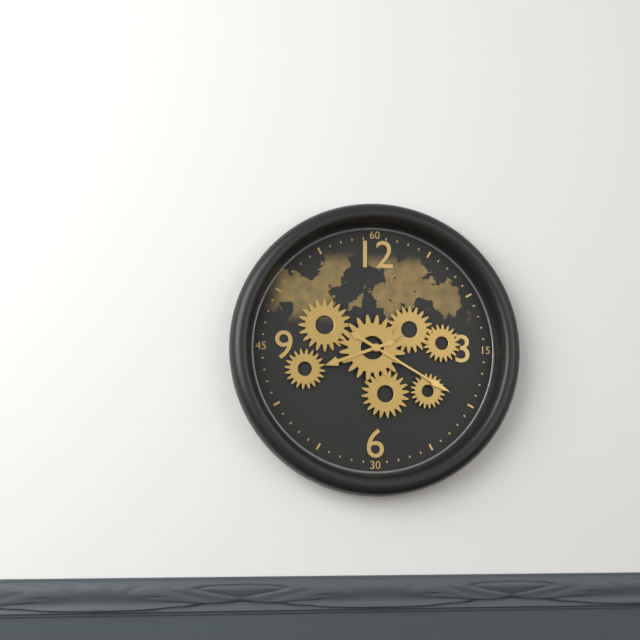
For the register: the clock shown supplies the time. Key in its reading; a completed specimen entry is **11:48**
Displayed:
**8:20**
